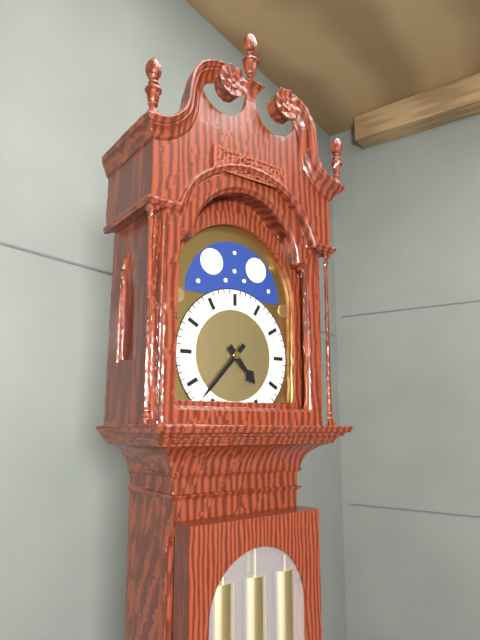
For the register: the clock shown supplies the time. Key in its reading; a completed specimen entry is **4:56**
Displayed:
**4:37**
